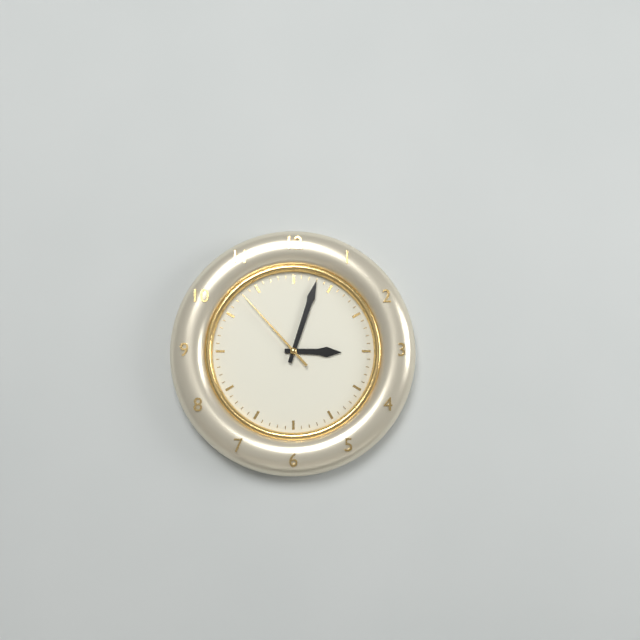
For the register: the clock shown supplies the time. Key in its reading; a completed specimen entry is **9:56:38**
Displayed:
**3:03:53**
